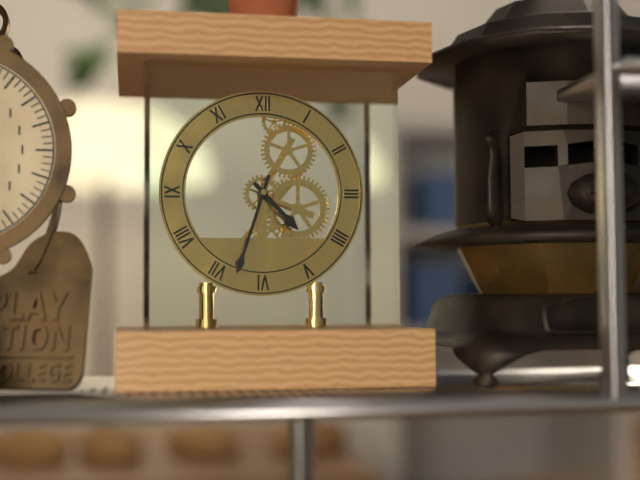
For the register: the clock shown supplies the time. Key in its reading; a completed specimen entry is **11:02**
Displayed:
**4:33**
